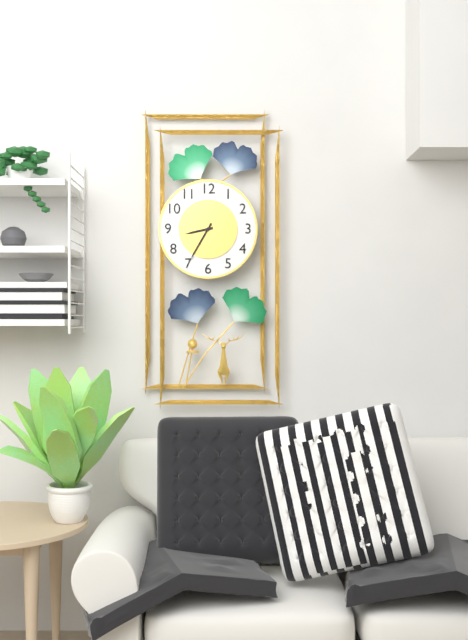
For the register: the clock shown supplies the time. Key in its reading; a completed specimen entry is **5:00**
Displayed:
**8:35**
